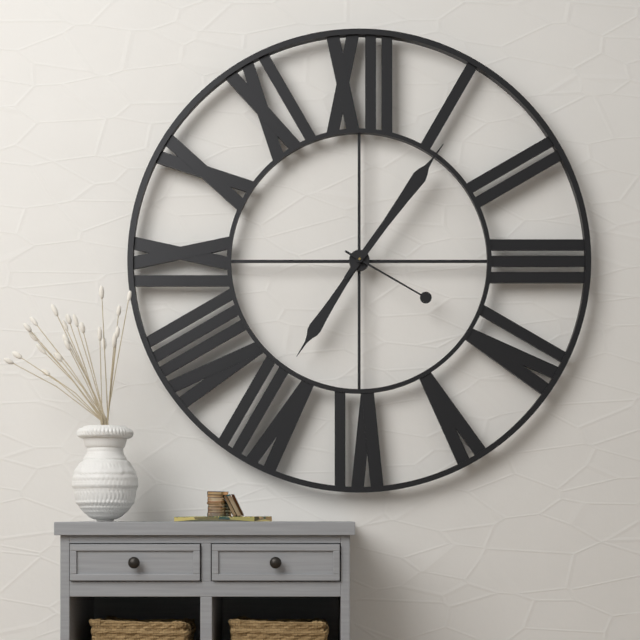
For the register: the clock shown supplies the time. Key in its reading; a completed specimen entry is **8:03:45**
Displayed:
**7:06:20**
